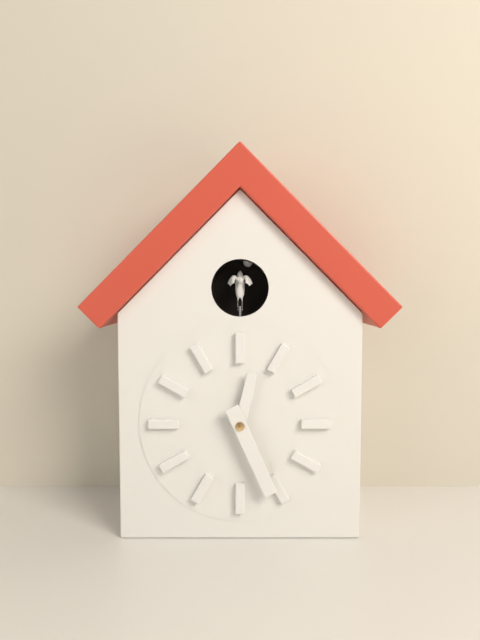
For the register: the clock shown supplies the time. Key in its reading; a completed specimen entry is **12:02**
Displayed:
**12:26**
